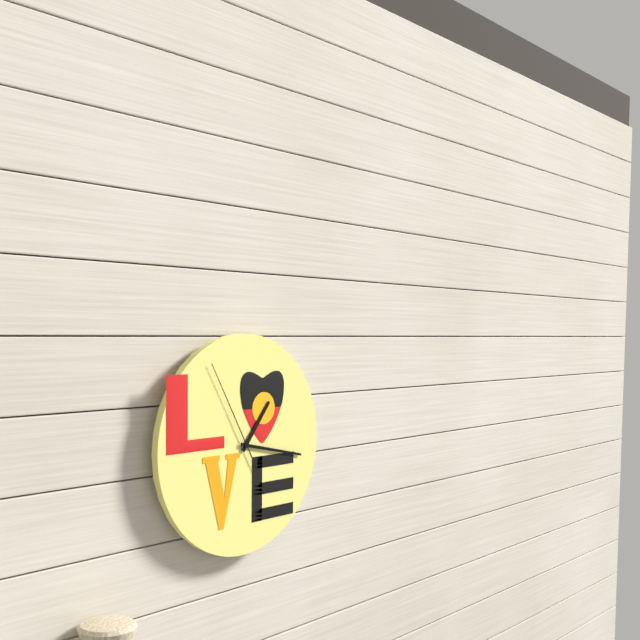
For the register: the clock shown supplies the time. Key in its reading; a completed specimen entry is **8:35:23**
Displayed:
**1:17:55**
